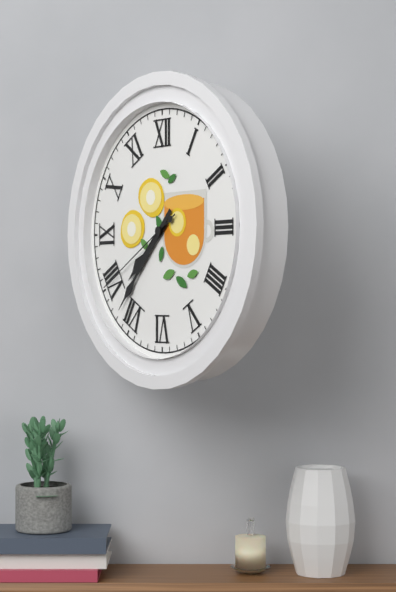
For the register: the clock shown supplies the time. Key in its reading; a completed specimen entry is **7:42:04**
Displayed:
**7:37:40**
